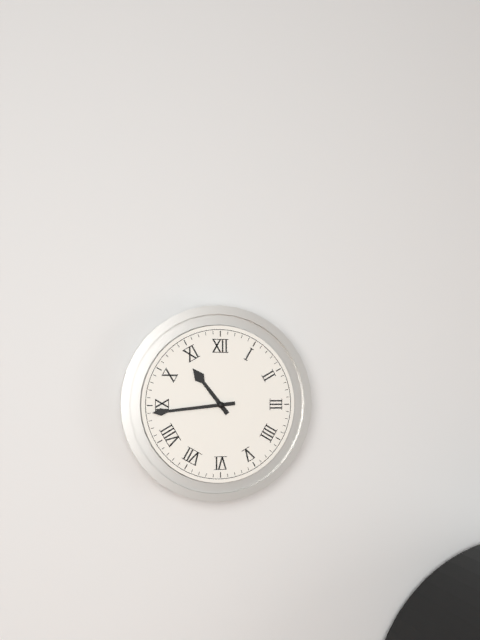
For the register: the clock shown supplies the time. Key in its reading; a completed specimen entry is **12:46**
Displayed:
**10:44**
